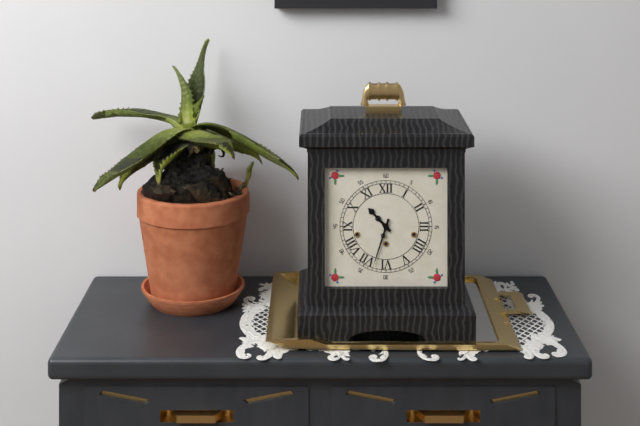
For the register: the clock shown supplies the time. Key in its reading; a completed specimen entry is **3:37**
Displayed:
**10:33**
